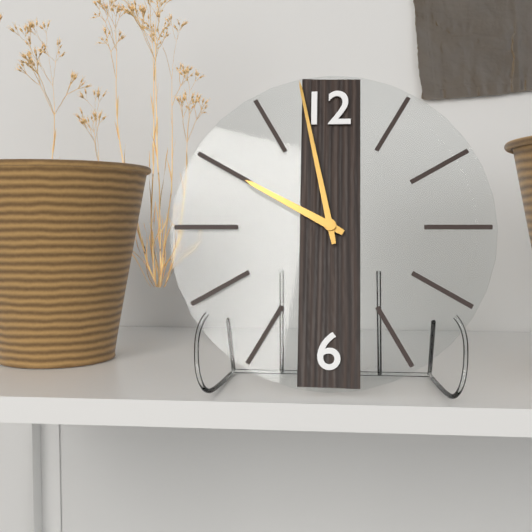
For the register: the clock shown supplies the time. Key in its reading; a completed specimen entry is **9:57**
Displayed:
**9:58**
